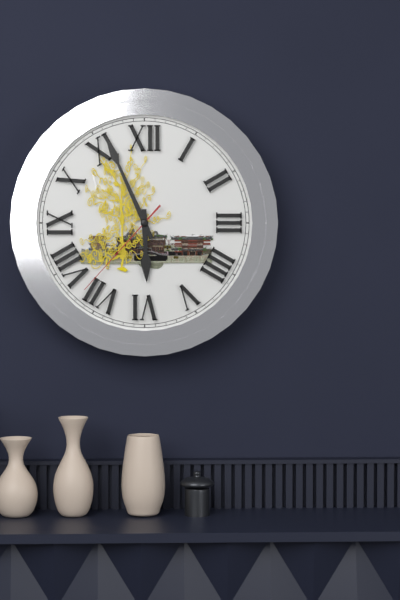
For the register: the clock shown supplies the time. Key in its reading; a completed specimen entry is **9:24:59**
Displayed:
**5:56:37**
